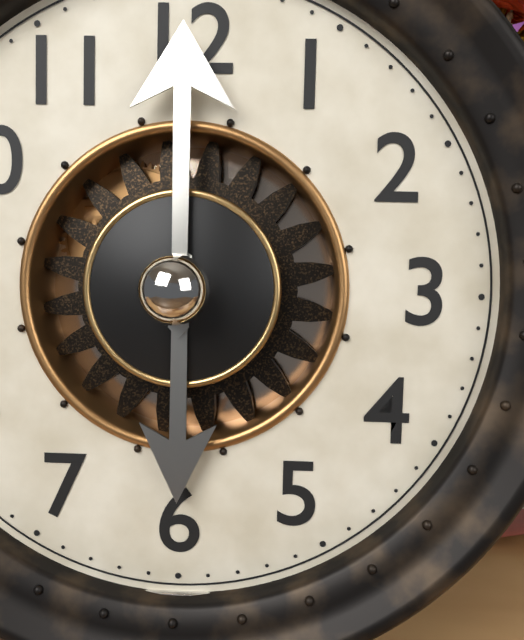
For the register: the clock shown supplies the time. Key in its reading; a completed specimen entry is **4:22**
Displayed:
**6:00**
